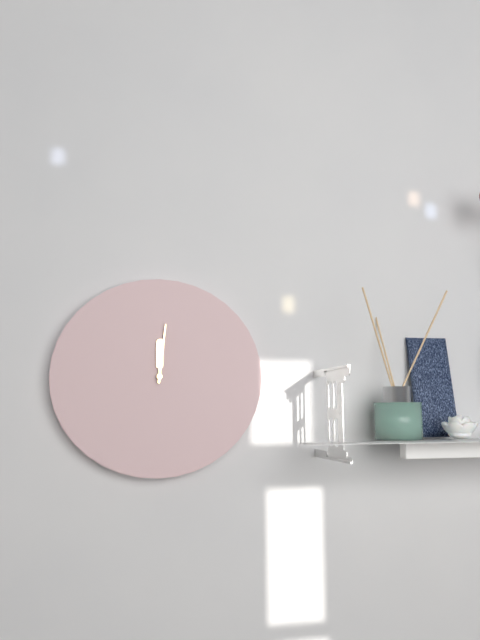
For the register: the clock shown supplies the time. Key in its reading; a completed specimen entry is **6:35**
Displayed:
**12:01**
